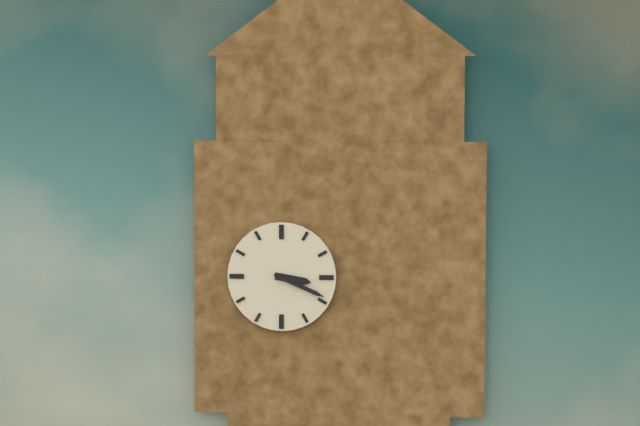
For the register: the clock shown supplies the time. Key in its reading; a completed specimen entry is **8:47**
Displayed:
**3:19**
